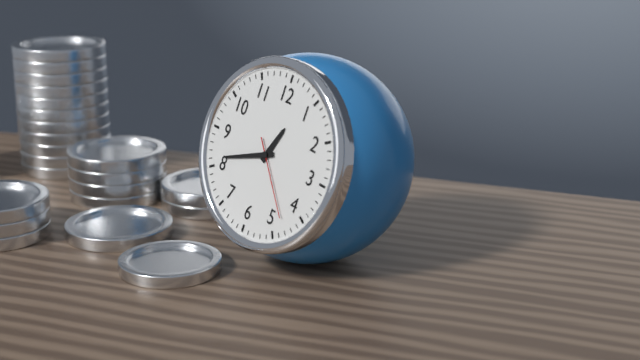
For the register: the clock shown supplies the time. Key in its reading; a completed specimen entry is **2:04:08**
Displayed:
**12:41:23**
